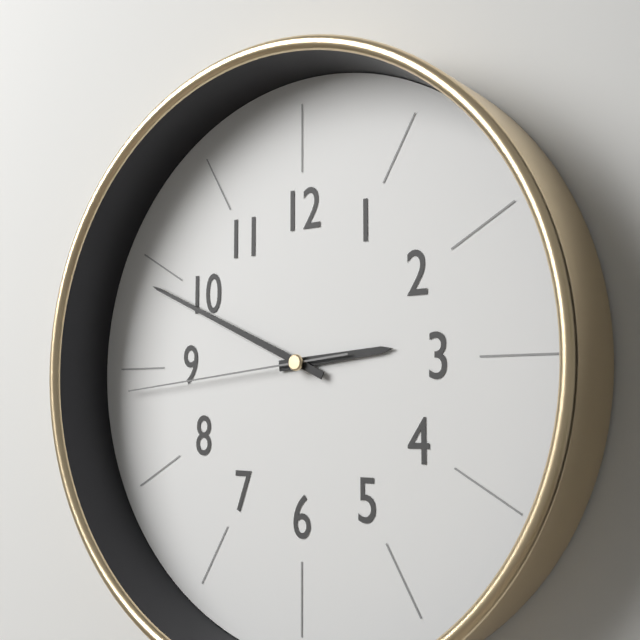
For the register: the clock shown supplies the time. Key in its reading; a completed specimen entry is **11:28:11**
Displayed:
**2:49:44**
